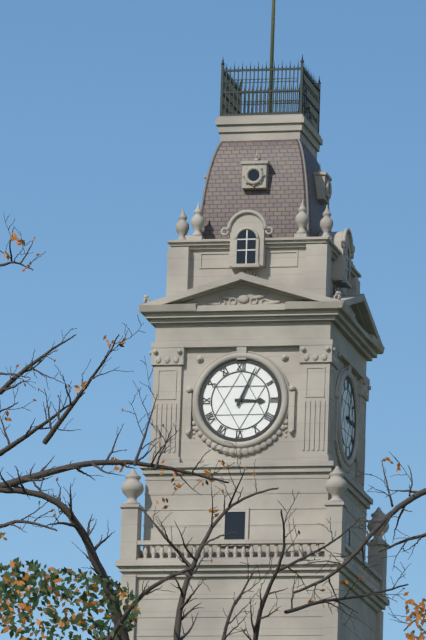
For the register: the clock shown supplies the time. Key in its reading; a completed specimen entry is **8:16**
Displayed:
**3:04**
